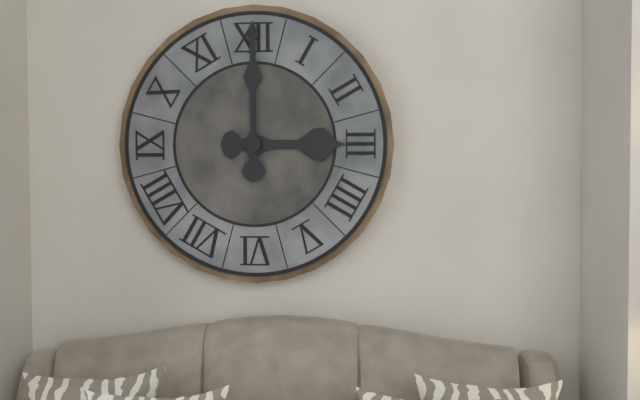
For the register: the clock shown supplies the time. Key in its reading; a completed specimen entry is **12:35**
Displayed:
**3:00**
